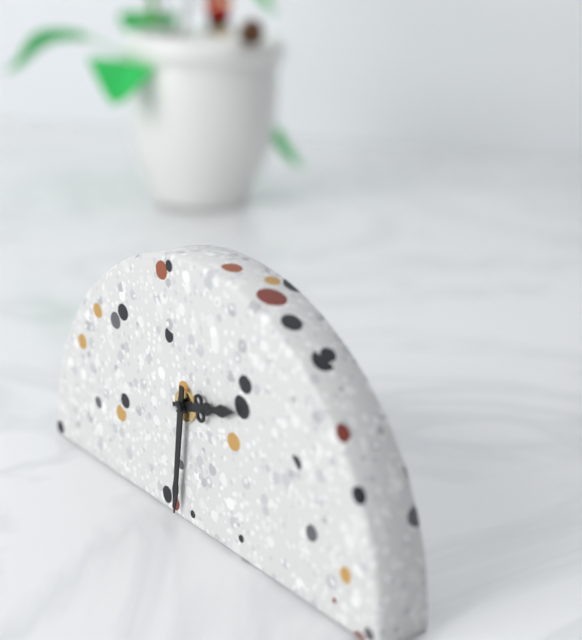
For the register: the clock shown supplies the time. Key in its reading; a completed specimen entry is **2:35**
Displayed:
**2:31**
